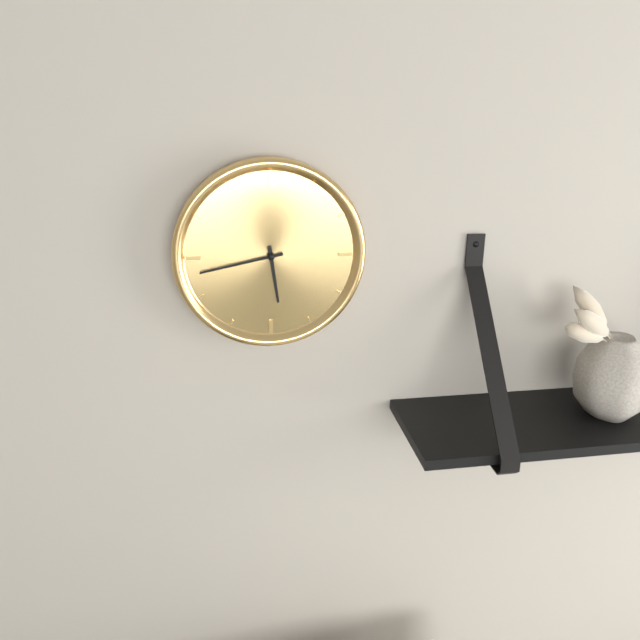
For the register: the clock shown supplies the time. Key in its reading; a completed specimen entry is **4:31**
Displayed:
**5:43**
